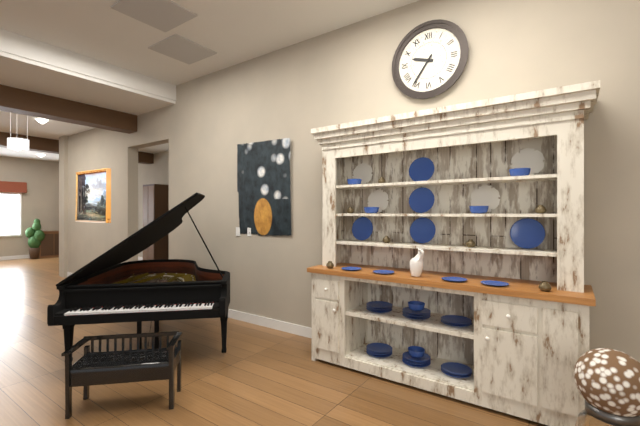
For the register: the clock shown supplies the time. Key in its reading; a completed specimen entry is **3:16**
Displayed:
**9:36**
